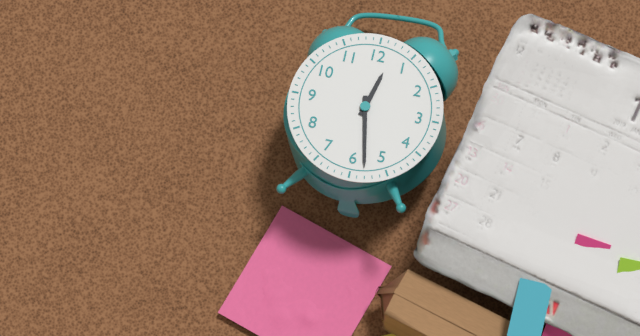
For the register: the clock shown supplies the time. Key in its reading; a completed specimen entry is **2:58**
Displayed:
**12:28**
